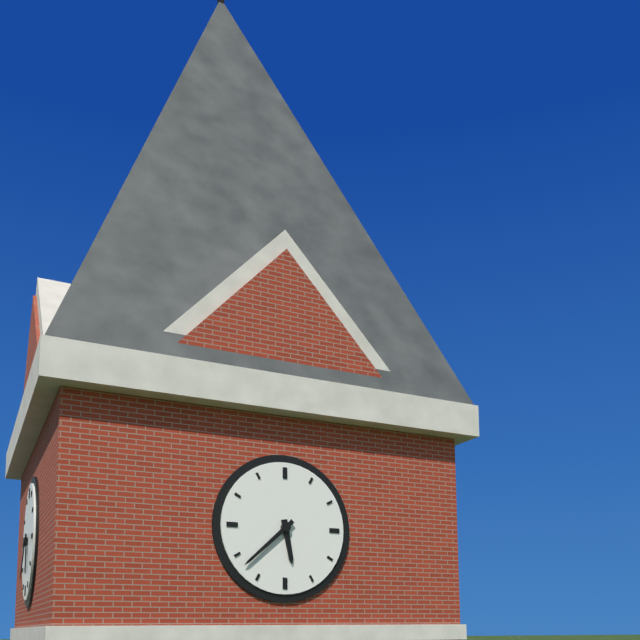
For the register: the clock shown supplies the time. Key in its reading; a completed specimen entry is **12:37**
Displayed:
**5:38**
